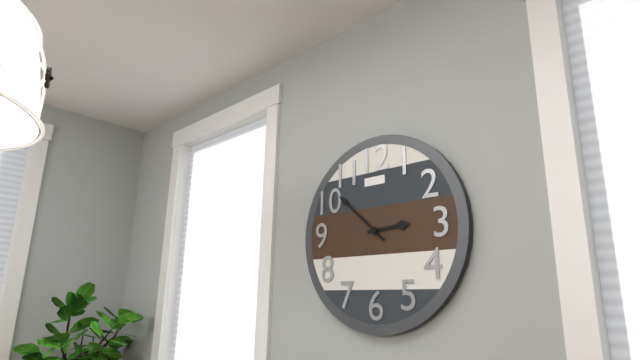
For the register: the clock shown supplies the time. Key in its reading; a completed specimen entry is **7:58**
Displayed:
**2:52**
